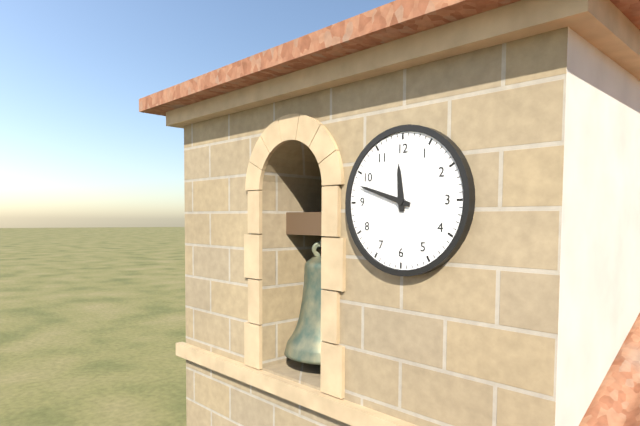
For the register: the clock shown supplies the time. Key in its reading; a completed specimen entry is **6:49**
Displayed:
**11:48**
